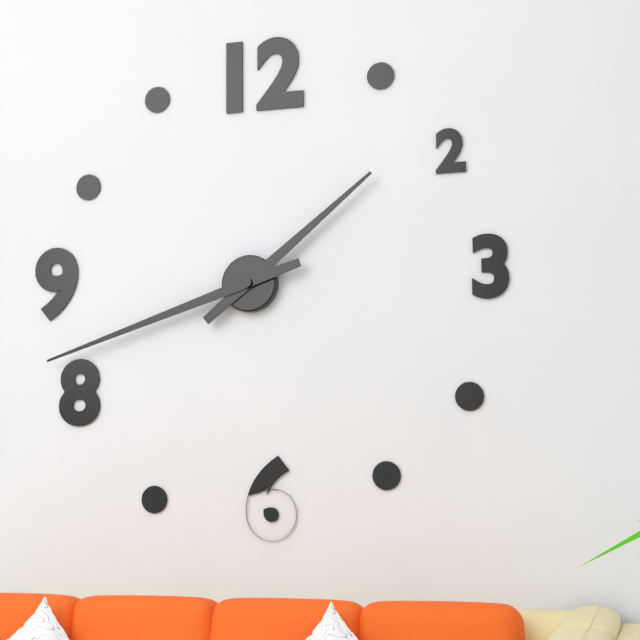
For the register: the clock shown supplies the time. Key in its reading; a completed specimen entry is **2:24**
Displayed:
**1:42**
